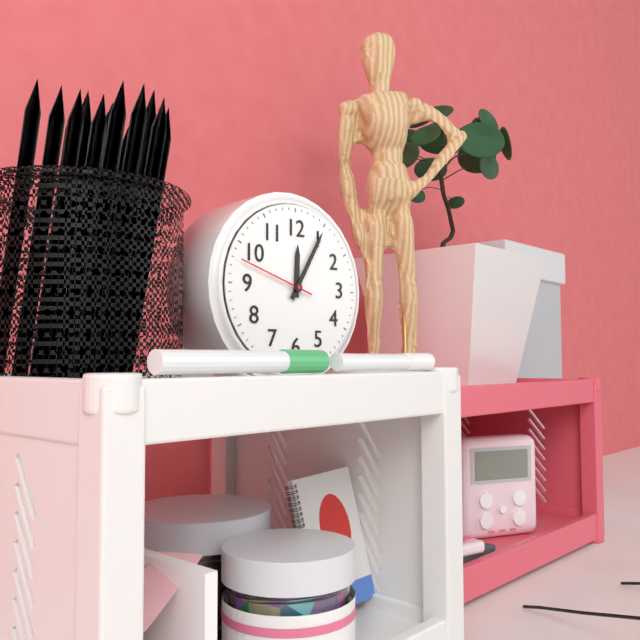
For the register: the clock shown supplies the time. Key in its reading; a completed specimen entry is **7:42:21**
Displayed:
**12:05:48**
